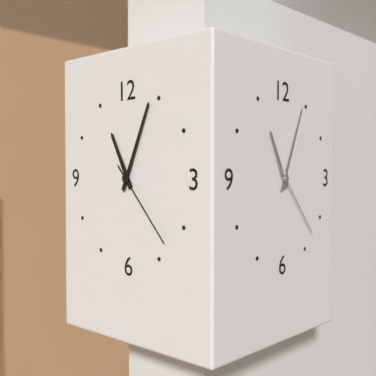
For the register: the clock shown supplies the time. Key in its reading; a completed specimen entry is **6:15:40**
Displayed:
**11:04:23**
